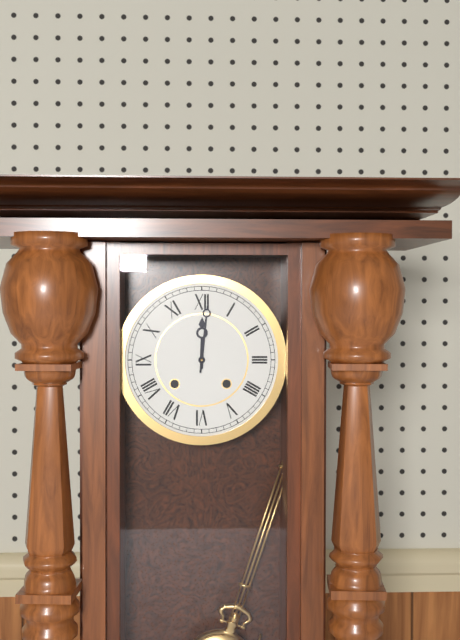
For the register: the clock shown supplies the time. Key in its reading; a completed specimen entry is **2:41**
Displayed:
**12:01**
